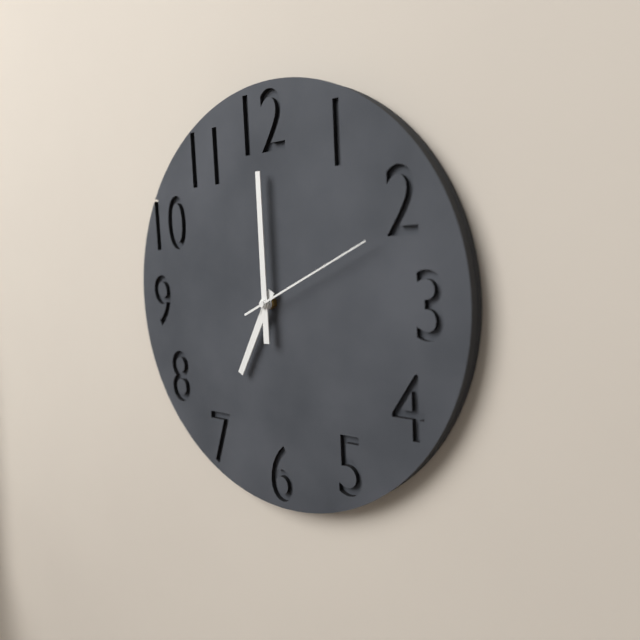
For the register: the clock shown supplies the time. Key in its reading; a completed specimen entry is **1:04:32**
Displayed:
**7:00:11**
